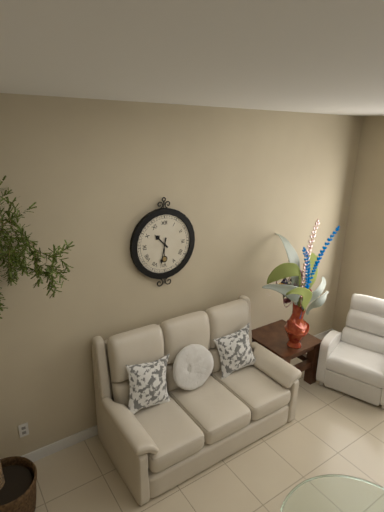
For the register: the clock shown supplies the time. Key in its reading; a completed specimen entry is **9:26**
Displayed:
**10:32**
